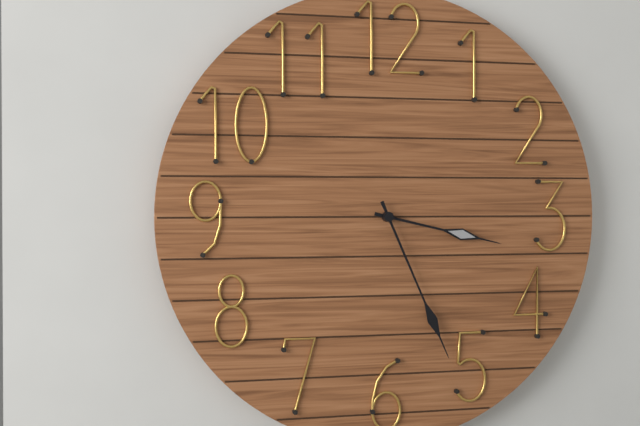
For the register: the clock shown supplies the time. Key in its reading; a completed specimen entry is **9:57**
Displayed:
**3:26**
